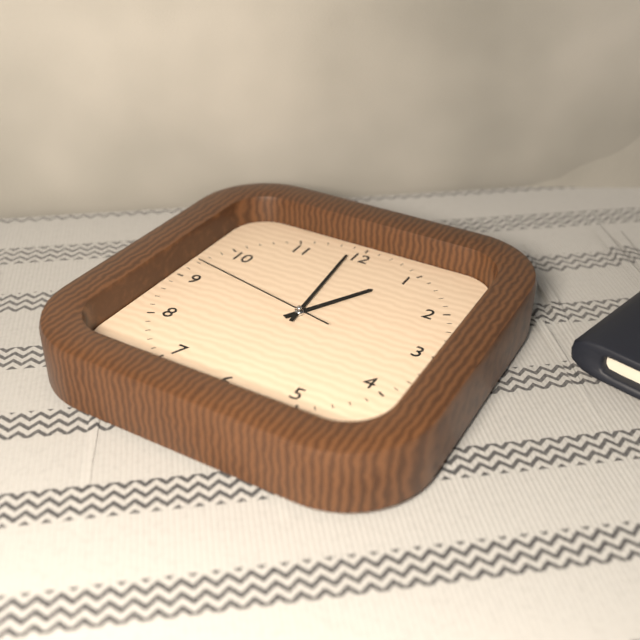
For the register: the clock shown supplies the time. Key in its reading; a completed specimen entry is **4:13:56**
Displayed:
**12:59:47**
